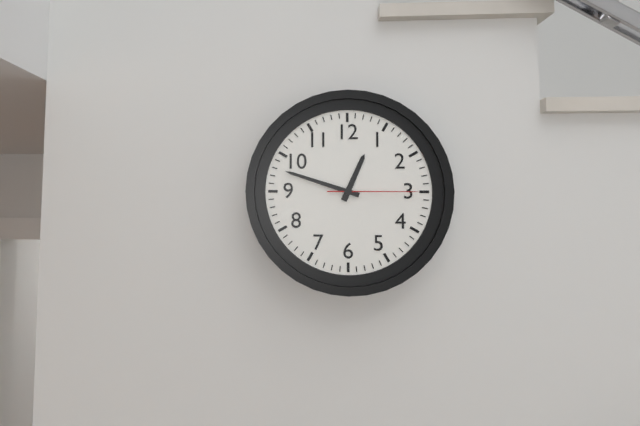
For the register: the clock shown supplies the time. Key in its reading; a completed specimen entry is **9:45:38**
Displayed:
**12:48:15**
